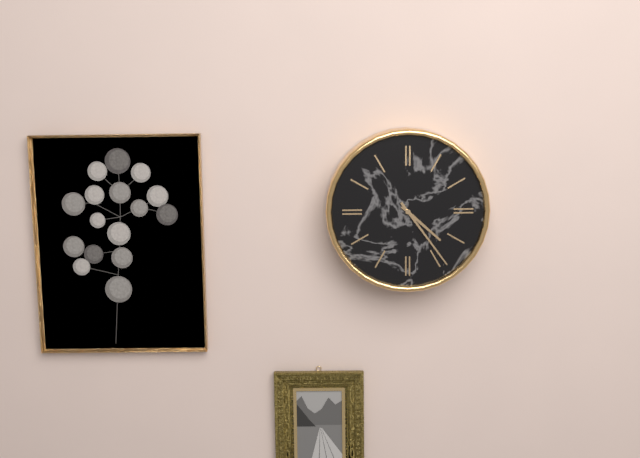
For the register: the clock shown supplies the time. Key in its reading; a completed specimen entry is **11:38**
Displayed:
**4:24**
